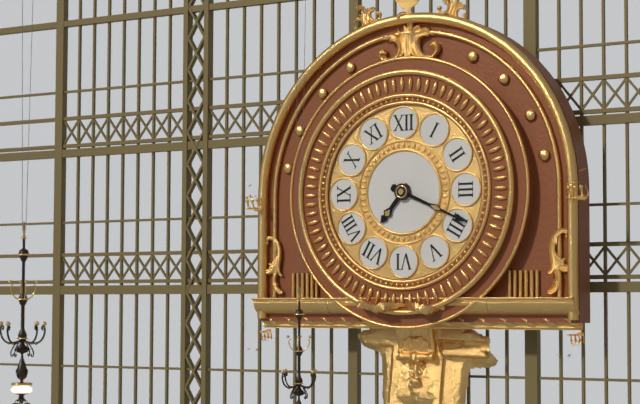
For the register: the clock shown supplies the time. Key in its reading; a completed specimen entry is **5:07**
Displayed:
**7:19**
